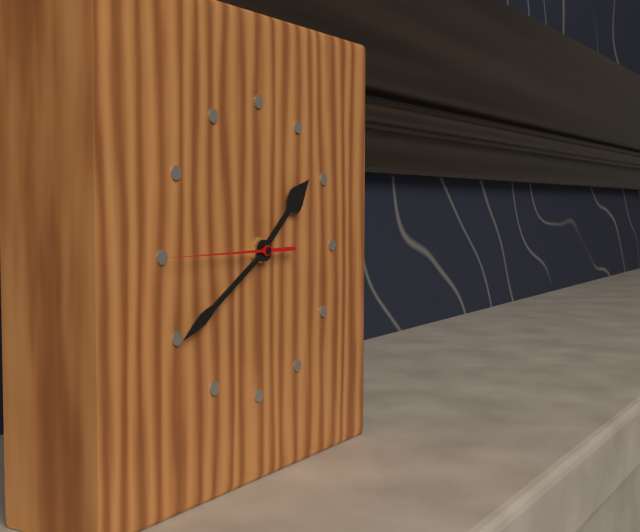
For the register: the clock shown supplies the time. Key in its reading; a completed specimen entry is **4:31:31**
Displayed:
**1:40:45**
